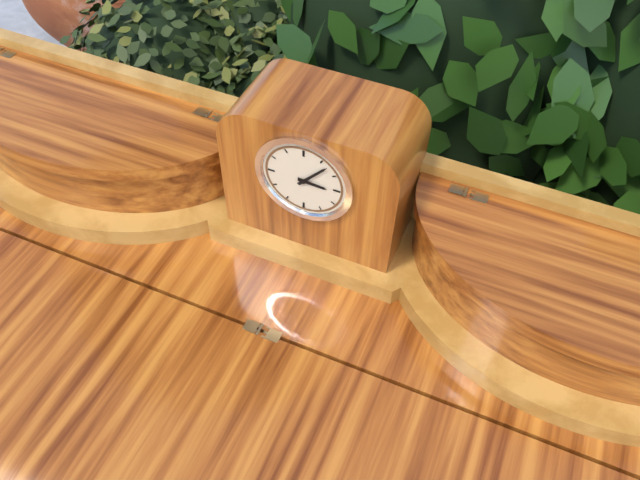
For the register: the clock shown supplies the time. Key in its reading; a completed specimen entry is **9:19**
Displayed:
**3:07**
